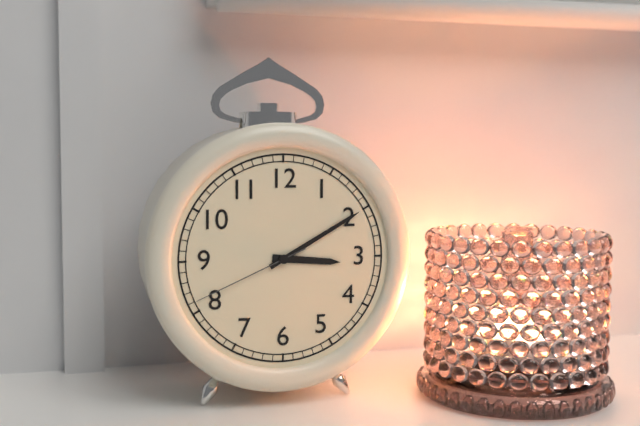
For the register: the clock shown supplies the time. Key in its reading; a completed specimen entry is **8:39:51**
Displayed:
**3:10:41**
